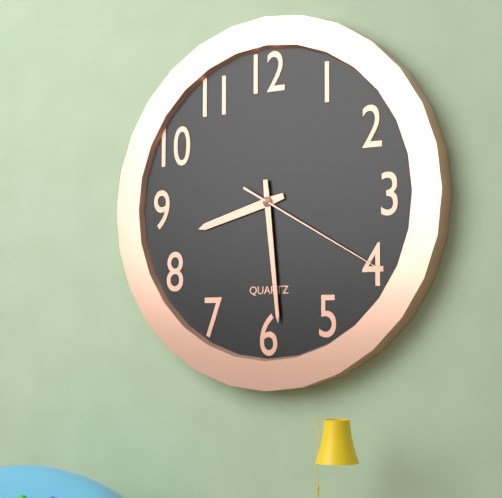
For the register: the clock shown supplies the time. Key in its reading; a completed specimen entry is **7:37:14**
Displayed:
**8:29:20**
